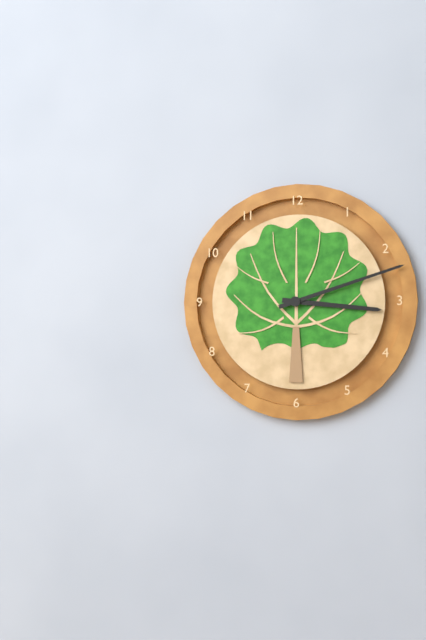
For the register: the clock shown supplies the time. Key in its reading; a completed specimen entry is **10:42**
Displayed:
**3:12**
